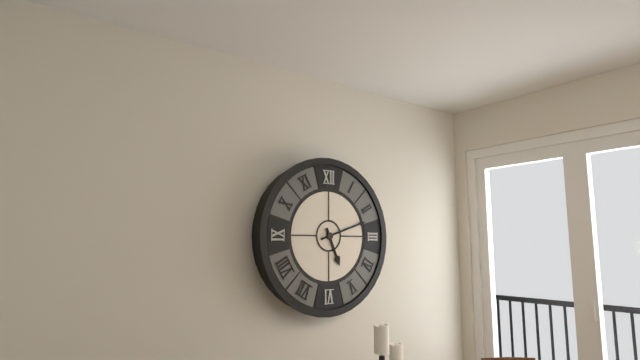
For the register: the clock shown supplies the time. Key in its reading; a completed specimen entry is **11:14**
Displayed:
**5:12**
